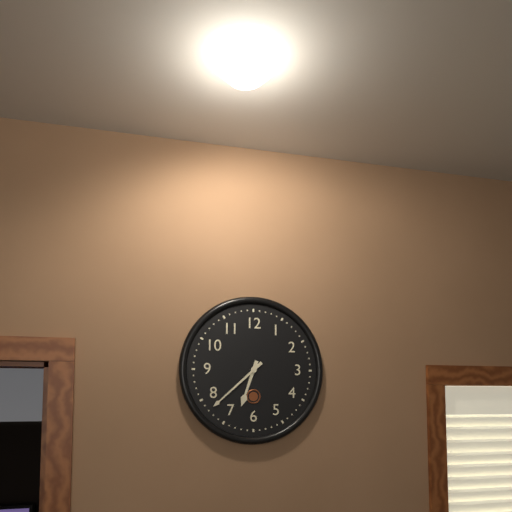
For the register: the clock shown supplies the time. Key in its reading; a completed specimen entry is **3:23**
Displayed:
**6:38**
